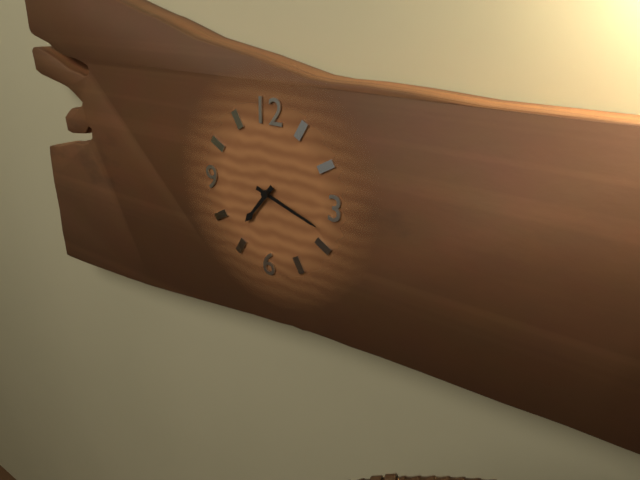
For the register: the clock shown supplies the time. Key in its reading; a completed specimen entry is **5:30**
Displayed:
**7:18**
